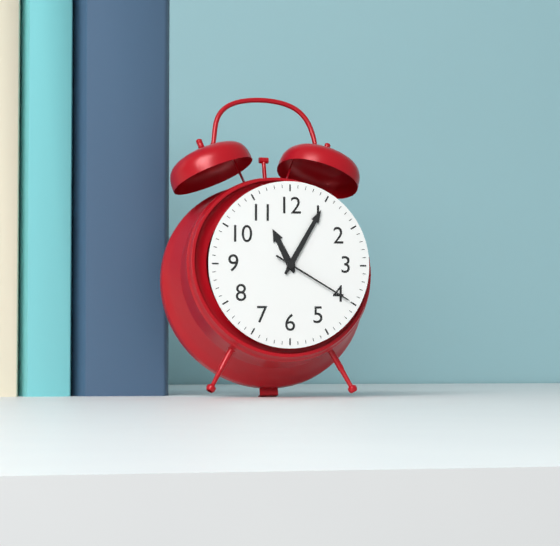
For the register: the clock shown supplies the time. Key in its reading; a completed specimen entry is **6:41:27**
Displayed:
**11:05:20**
